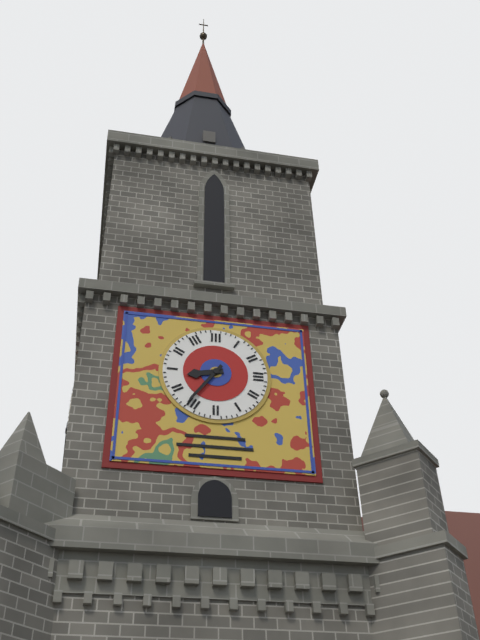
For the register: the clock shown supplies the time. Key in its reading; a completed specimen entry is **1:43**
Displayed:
**8:36**
